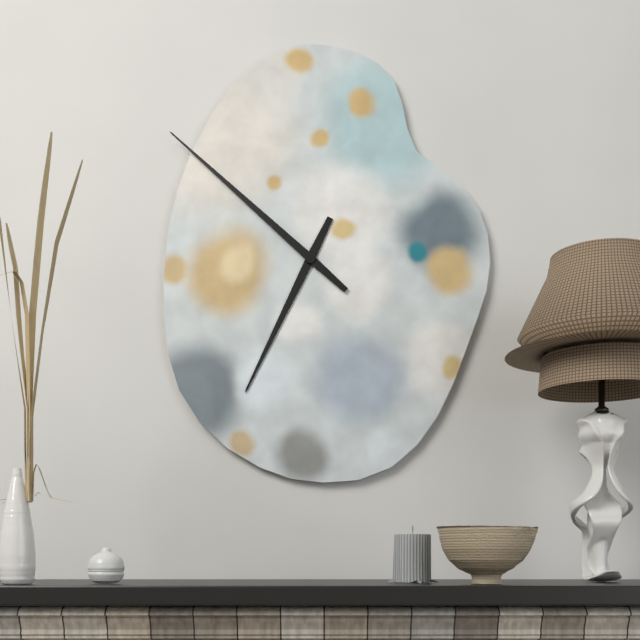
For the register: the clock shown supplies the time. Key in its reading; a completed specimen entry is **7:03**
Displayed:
**6:52**
